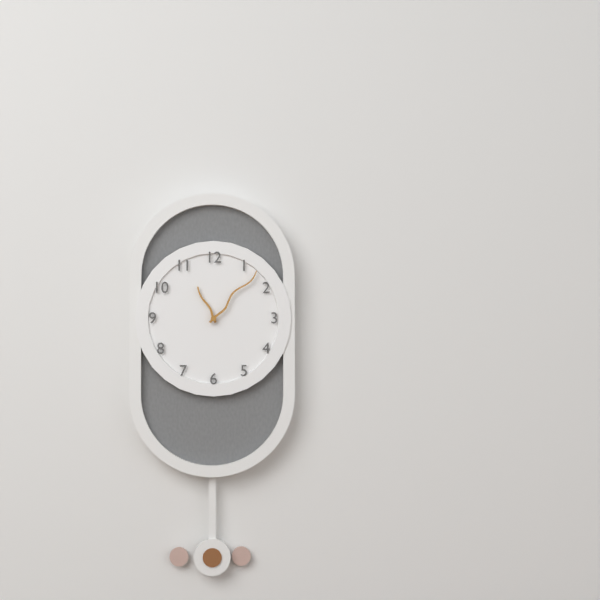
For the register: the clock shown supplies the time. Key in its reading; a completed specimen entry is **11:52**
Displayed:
**11:07**
